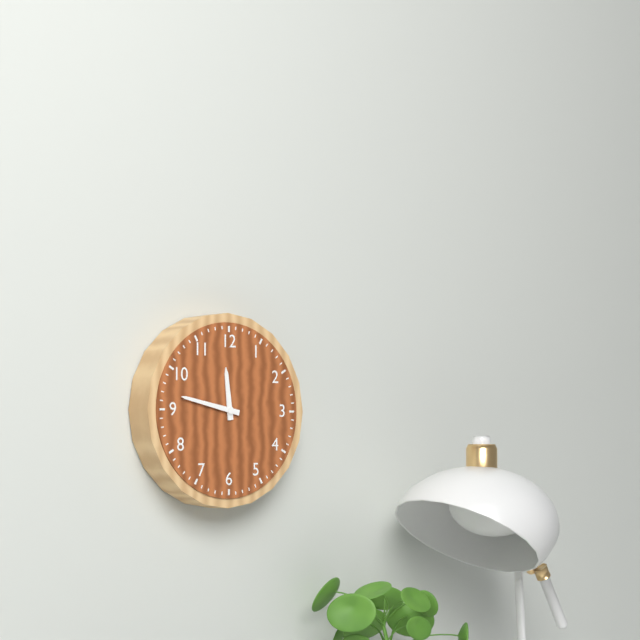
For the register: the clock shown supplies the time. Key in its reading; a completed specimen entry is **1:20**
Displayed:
**11:47**
